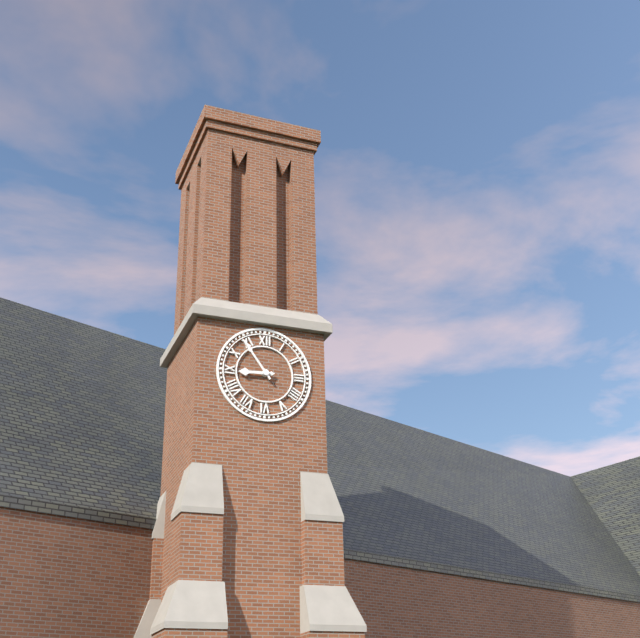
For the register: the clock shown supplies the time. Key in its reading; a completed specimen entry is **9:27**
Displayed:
**8:54**
